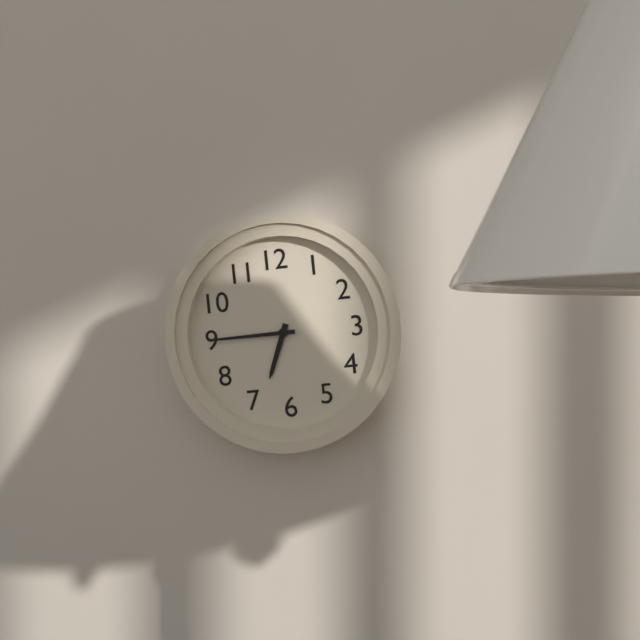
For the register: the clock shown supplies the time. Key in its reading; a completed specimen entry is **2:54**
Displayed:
**6:45**
